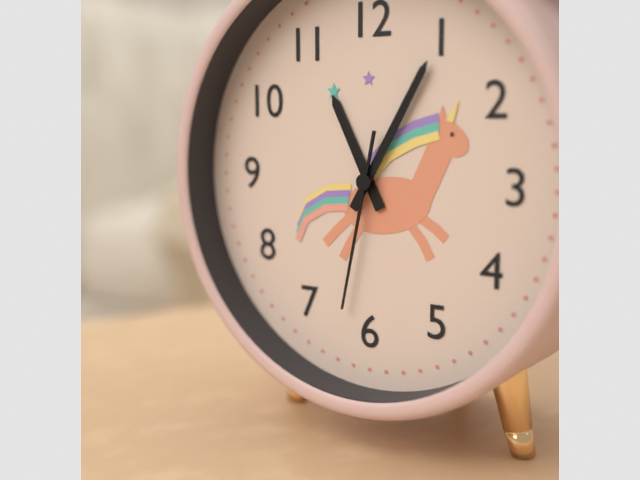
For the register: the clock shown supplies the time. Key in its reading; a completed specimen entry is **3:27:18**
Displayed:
**11:05:32**
